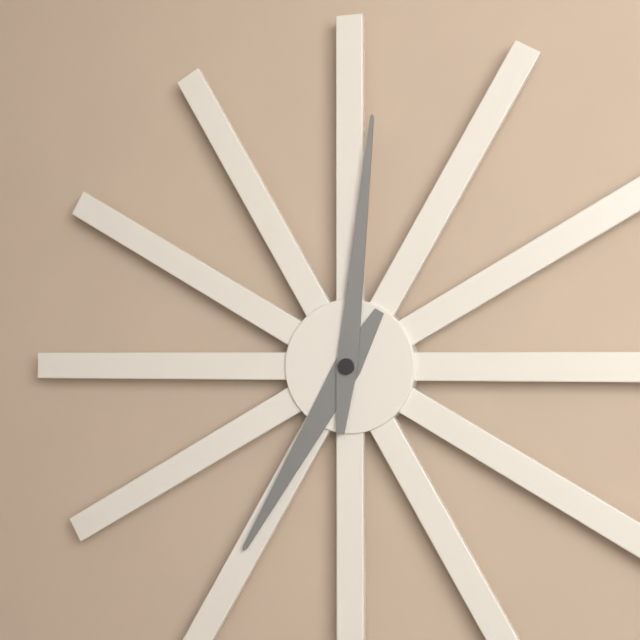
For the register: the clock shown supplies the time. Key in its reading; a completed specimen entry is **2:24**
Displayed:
**7:01**
